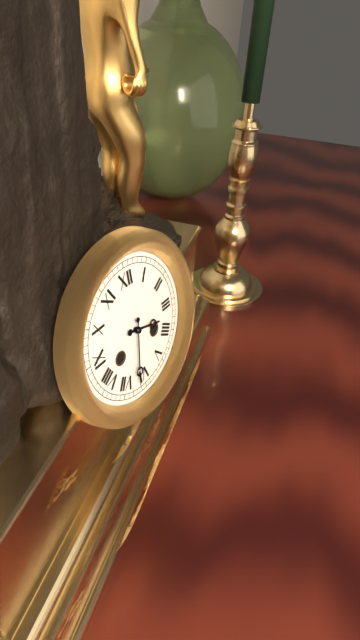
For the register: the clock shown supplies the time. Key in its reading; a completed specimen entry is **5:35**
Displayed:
**3:32**
